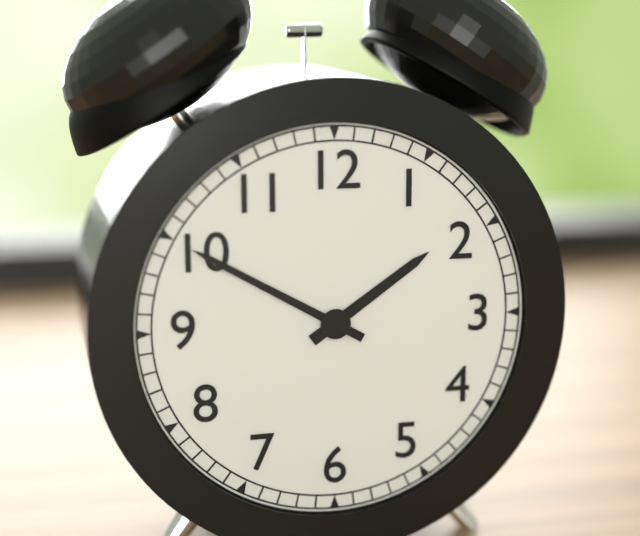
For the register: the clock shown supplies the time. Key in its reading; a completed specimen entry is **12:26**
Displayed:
**1:50**
